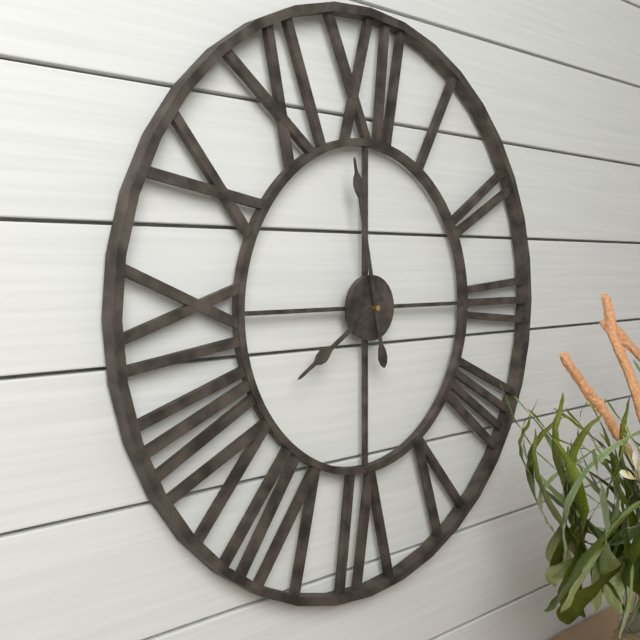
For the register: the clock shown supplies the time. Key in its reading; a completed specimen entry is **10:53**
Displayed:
**7:58**
